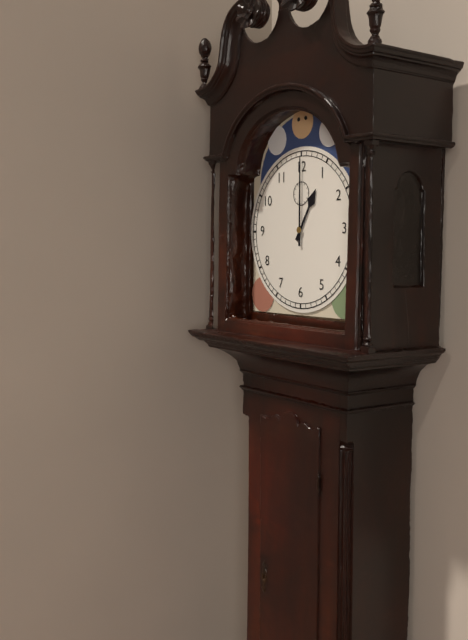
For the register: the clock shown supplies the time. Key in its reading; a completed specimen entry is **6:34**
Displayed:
**1:00**
